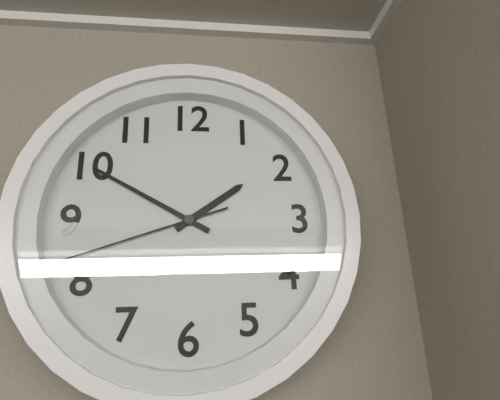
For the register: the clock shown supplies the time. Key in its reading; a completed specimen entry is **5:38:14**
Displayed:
**1:50:42**
